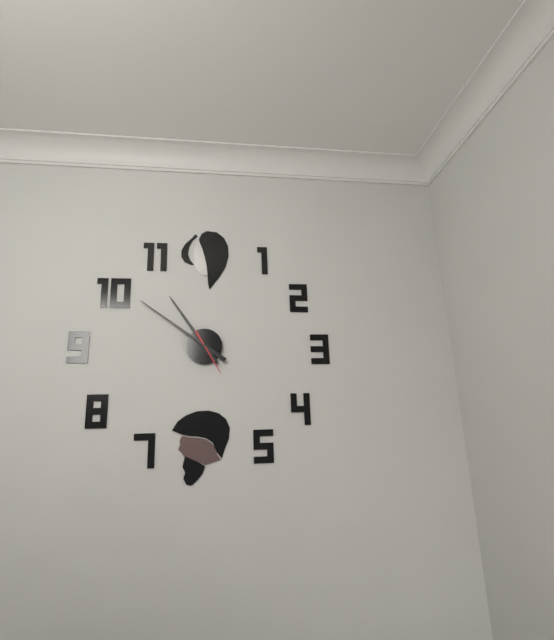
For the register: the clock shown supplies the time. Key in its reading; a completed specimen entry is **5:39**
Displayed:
**10:51**
